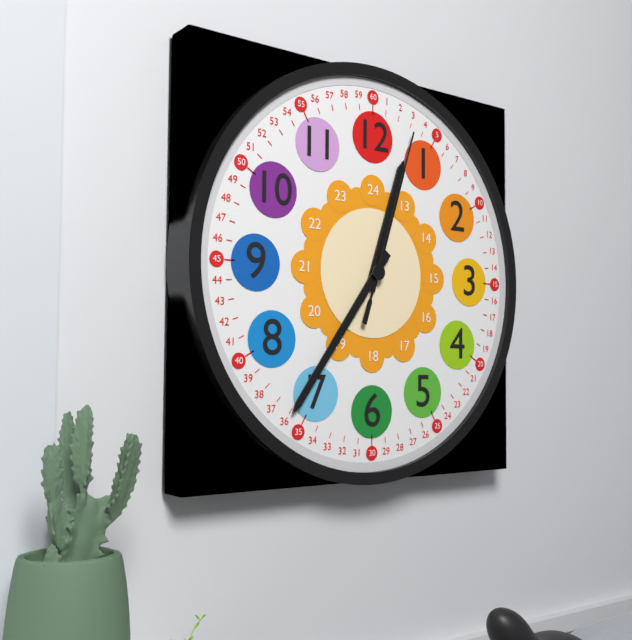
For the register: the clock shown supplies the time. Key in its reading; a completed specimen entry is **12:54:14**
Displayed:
**12:36:03**
